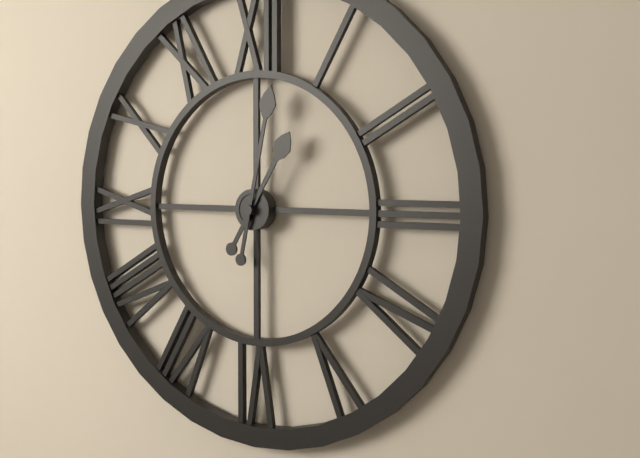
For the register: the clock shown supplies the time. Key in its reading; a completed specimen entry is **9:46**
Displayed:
**1:02**
